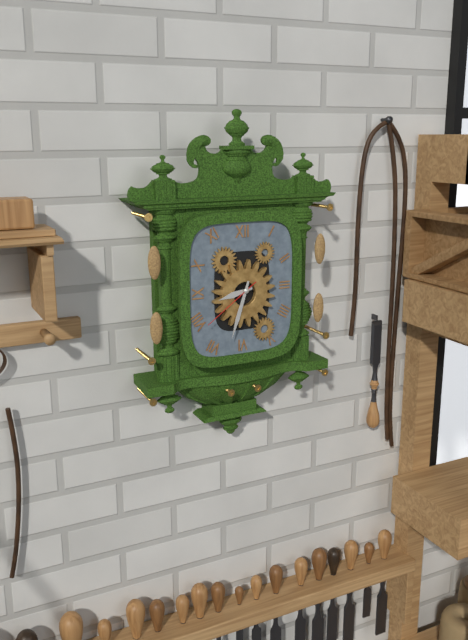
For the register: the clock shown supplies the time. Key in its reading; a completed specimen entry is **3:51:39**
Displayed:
**8:33:39**
